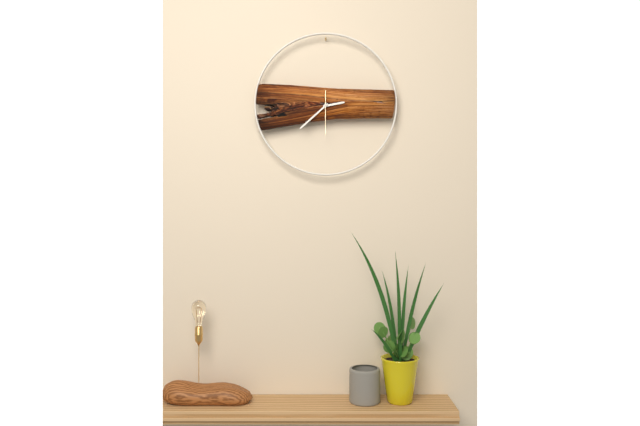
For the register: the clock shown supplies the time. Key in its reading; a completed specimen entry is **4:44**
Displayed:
**2:38**
